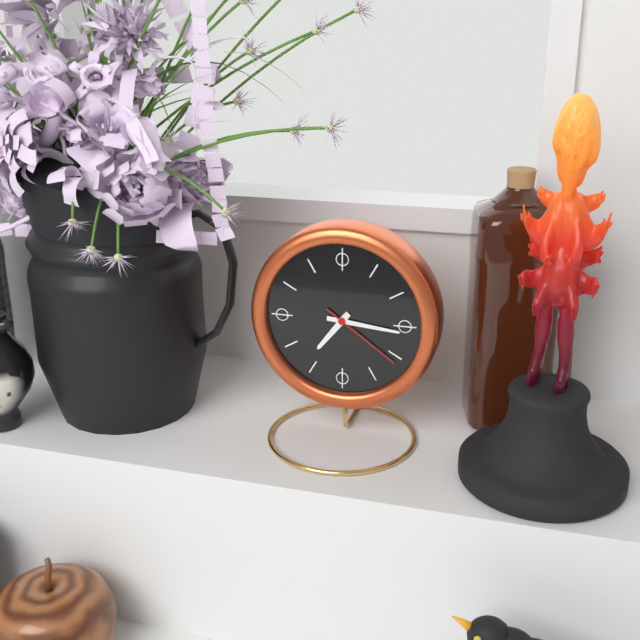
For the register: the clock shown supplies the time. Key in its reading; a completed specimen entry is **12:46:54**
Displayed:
**7:16:21**
